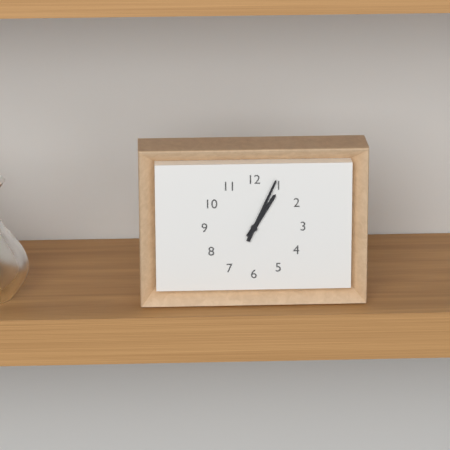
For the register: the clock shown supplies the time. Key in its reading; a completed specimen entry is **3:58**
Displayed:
**1:04**
